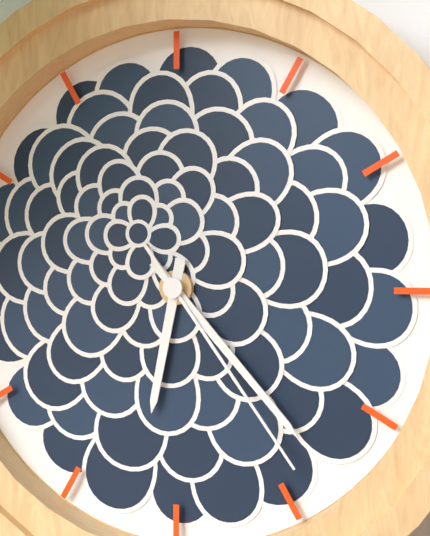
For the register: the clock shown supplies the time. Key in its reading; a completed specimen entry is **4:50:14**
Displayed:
**6:23:24**
